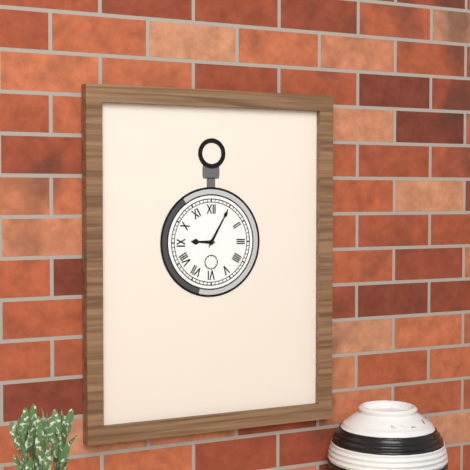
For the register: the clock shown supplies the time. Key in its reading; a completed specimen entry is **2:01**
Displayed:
**9:05**
